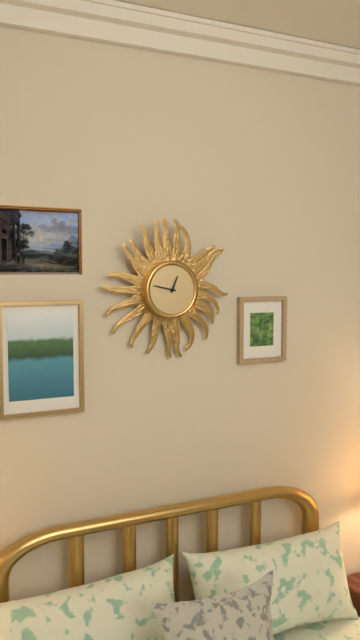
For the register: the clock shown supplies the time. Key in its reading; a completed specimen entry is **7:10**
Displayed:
**12:47**
